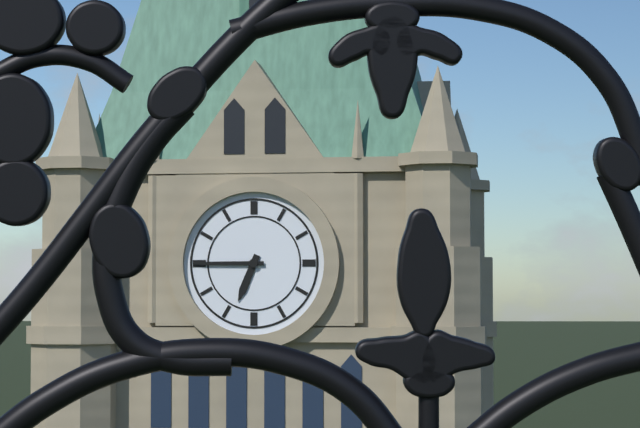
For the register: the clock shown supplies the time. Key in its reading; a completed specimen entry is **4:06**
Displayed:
**6:45**
